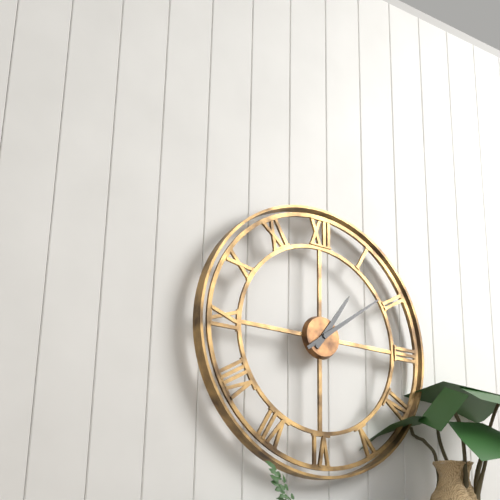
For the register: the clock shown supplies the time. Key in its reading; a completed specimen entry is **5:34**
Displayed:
**1:09**
